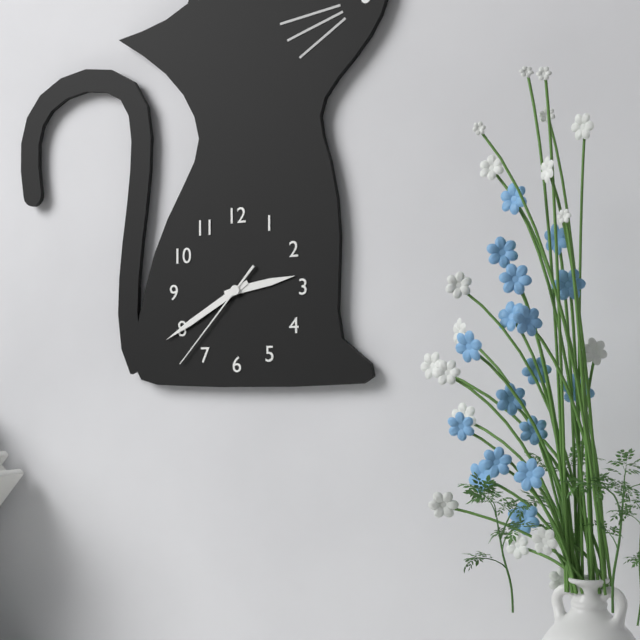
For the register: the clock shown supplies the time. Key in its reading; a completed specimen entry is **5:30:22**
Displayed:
**2:40:37**
